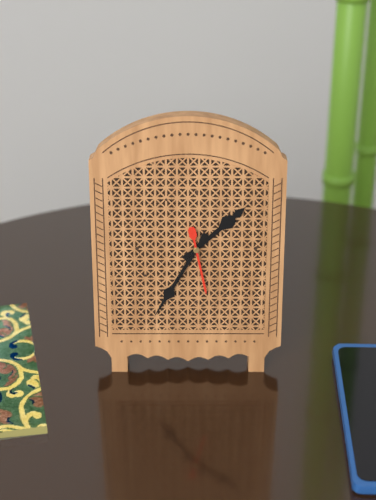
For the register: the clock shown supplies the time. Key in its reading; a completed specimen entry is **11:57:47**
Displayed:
**1:35:28**
